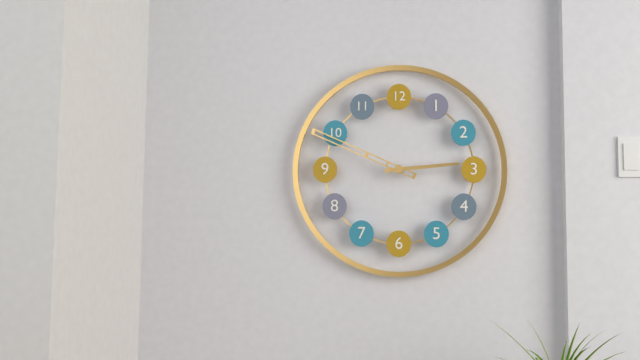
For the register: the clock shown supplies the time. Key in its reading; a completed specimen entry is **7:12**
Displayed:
**2:49**
